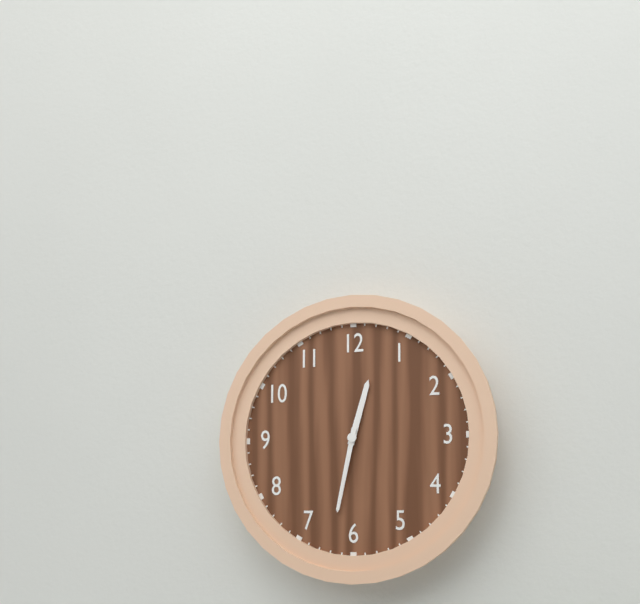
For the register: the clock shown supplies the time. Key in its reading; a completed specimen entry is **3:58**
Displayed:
**12:32**
